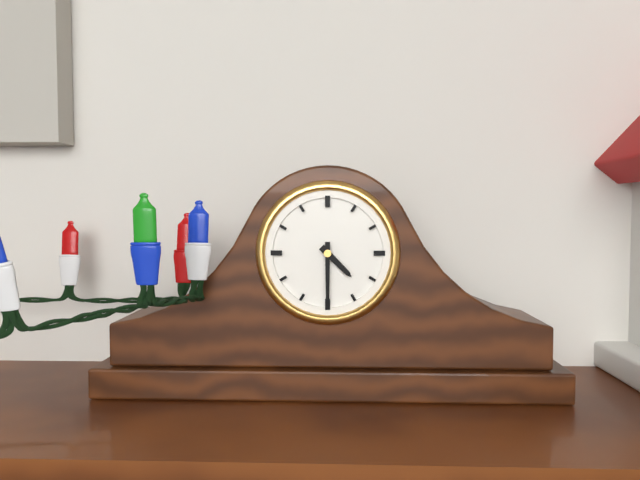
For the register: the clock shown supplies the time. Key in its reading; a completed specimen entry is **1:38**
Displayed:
**4:30**
